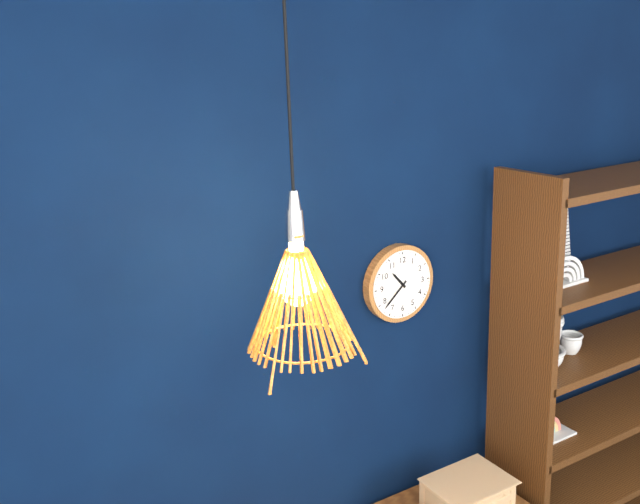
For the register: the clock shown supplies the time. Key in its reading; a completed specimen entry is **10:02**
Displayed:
**10:38**
